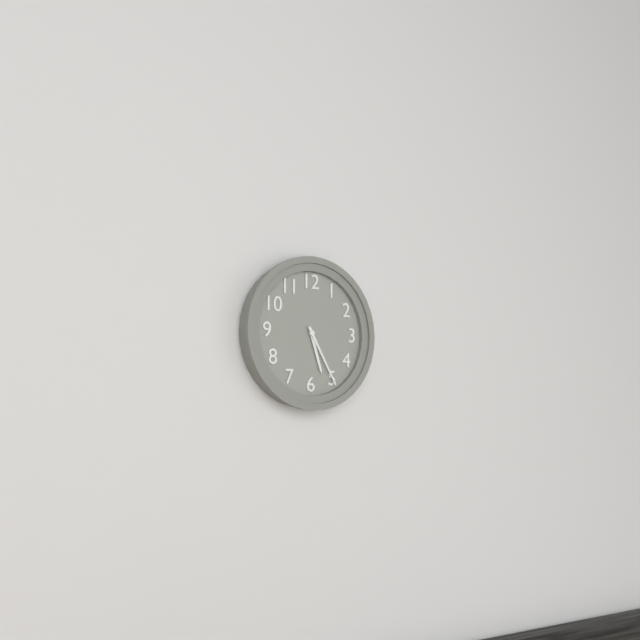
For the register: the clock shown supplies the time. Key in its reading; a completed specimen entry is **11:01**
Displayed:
**5:25**
